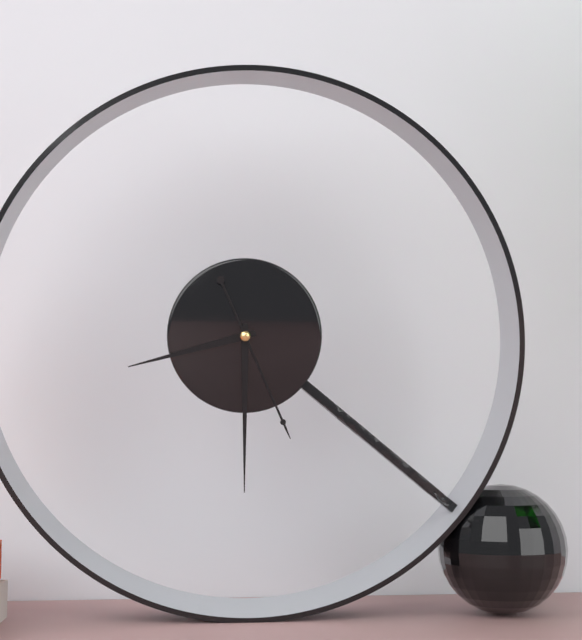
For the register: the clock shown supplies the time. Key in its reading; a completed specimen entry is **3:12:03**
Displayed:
**8:30:26**
